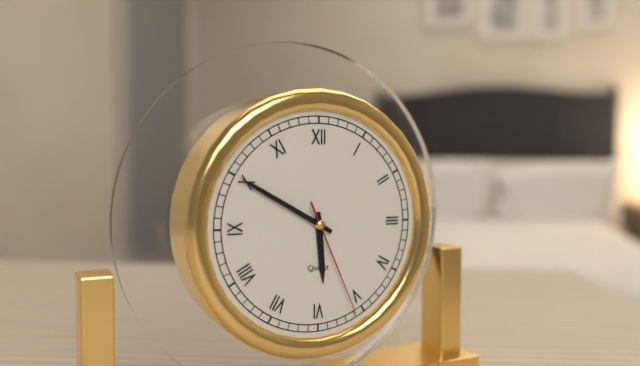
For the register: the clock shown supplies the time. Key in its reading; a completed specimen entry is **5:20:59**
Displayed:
**5:50:26**
